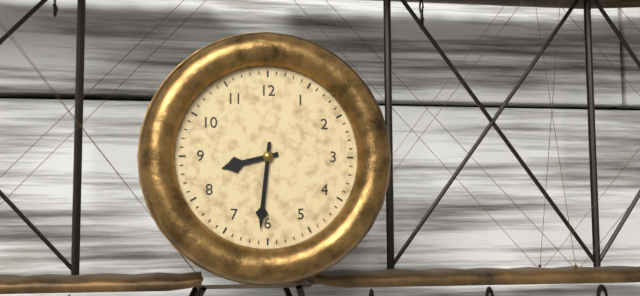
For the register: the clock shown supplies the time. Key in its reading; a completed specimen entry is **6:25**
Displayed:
**8:31**
